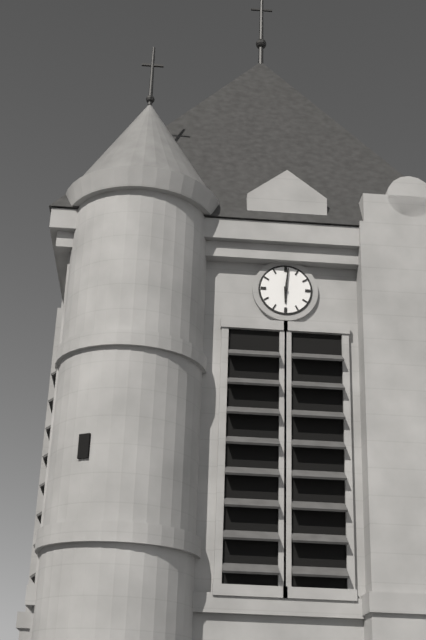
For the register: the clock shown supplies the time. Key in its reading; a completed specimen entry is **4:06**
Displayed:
**6:01**
